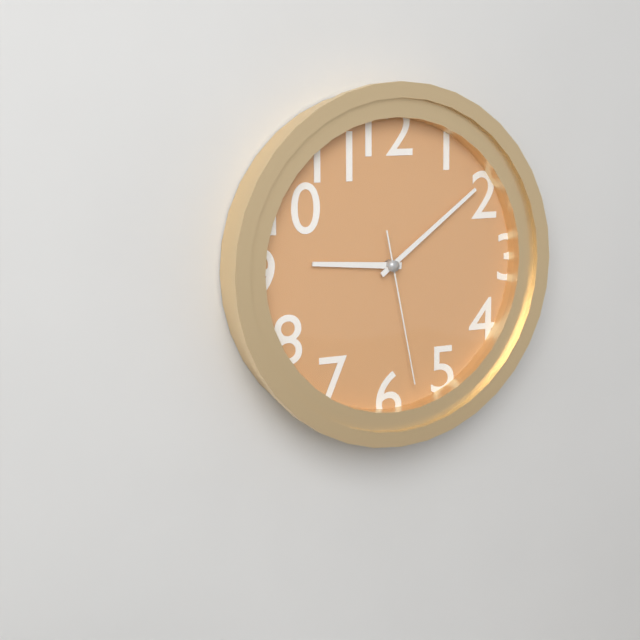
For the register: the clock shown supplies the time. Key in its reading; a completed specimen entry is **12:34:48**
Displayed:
**9:09:28**
